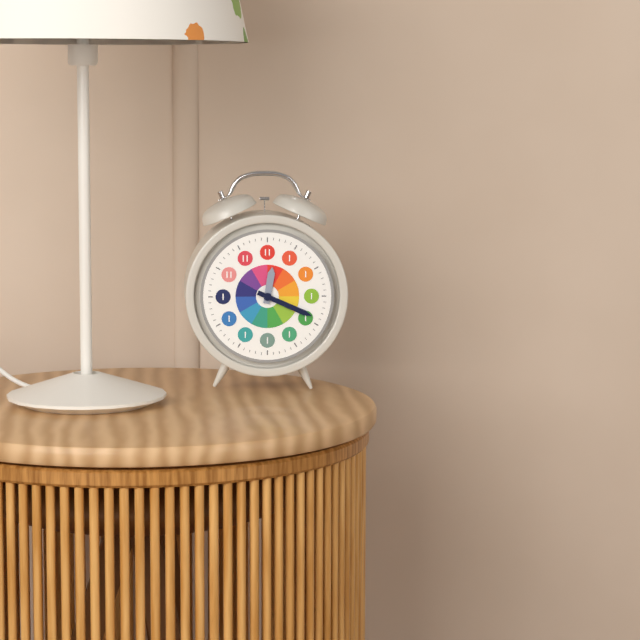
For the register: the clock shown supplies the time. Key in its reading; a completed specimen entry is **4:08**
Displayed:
**12:19**
